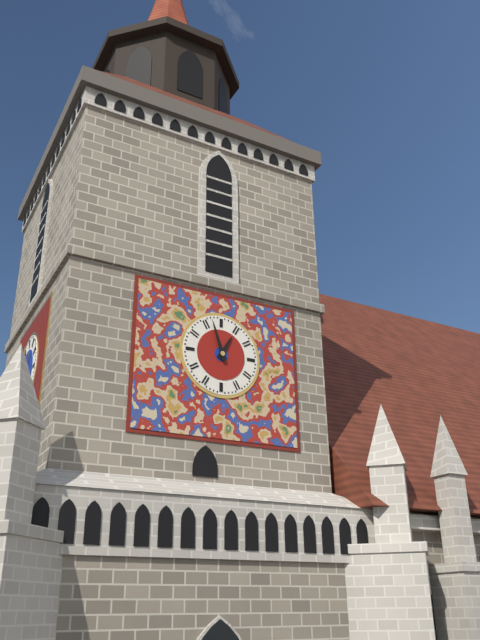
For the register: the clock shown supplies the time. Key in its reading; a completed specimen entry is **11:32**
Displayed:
**12:57**
